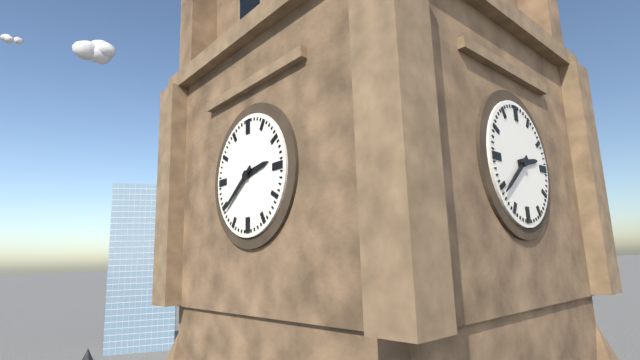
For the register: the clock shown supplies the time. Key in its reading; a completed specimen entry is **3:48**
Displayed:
**2:39**
